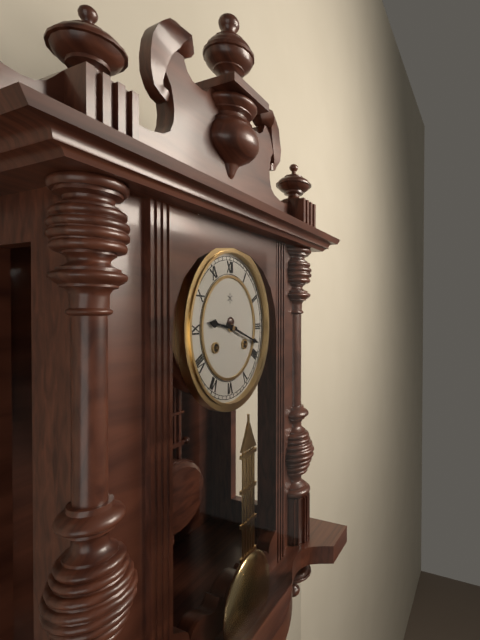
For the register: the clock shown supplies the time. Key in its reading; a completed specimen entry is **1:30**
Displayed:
**9:18**
